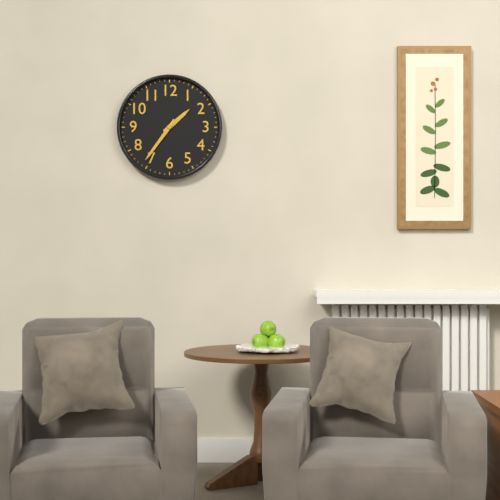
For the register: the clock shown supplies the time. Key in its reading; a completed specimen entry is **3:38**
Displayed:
**1:36**
